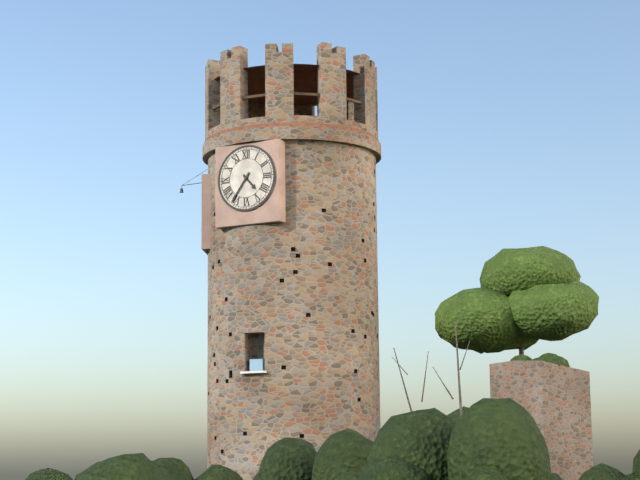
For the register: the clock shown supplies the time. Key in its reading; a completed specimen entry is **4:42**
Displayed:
**4:36**
